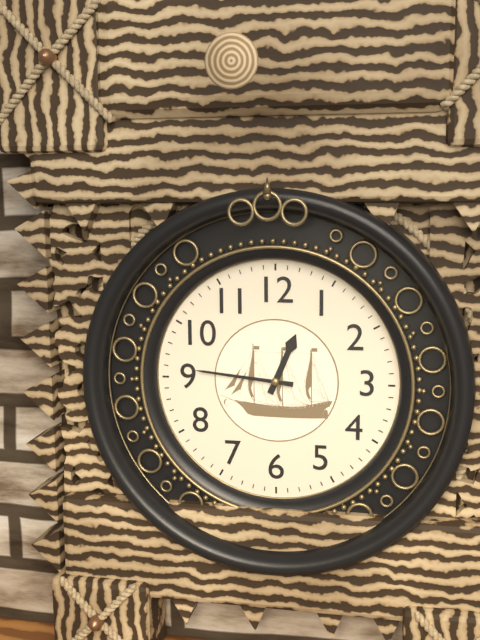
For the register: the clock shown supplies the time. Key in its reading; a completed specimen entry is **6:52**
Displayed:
**12:46**
